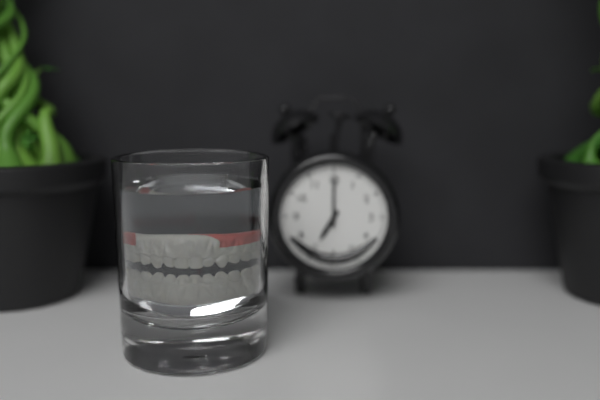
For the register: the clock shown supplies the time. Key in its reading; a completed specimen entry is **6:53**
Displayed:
**7:00**
